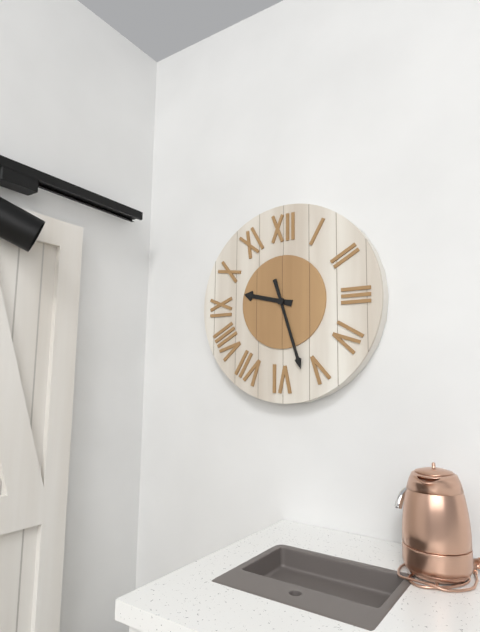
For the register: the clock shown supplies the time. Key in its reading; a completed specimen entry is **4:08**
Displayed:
**9:27**
